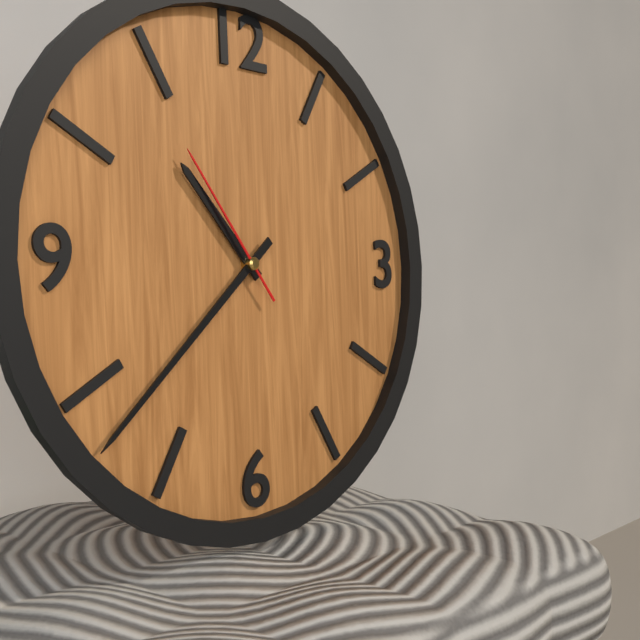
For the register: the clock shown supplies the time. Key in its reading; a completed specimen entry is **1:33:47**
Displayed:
**10:38:54**
